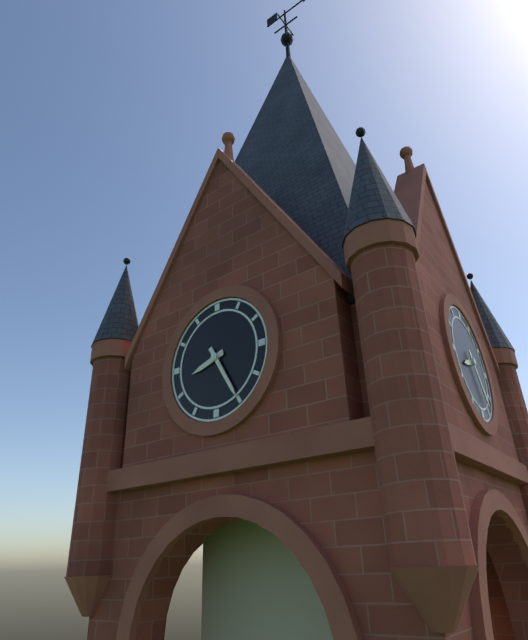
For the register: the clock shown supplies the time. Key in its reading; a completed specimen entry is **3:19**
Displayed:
**8:25**
